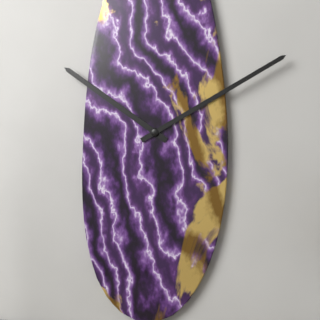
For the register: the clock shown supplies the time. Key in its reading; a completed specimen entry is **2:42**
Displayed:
**10:10**
